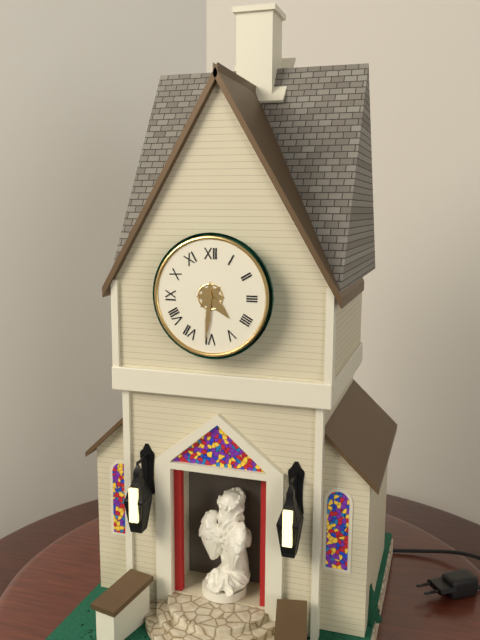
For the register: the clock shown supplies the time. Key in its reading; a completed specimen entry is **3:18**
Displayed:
**4:31**
